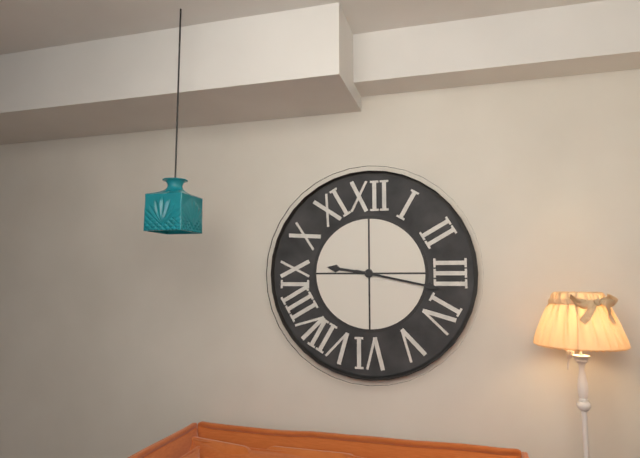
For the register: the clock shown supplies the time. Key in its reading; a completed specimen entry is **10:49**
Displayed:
**9:17**
